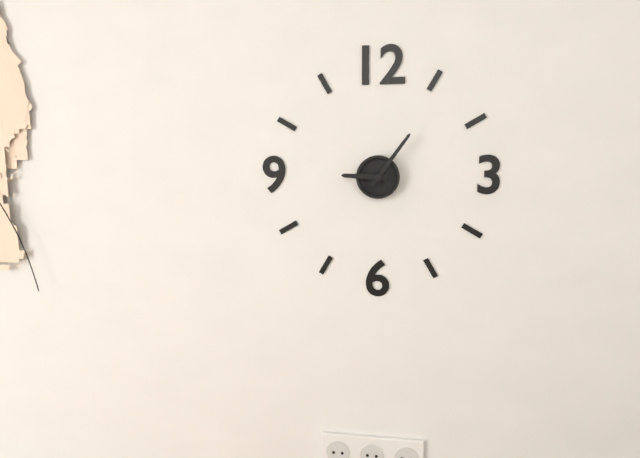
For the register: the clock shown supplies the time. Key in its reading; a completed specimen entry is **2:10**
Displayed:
**9:06**
